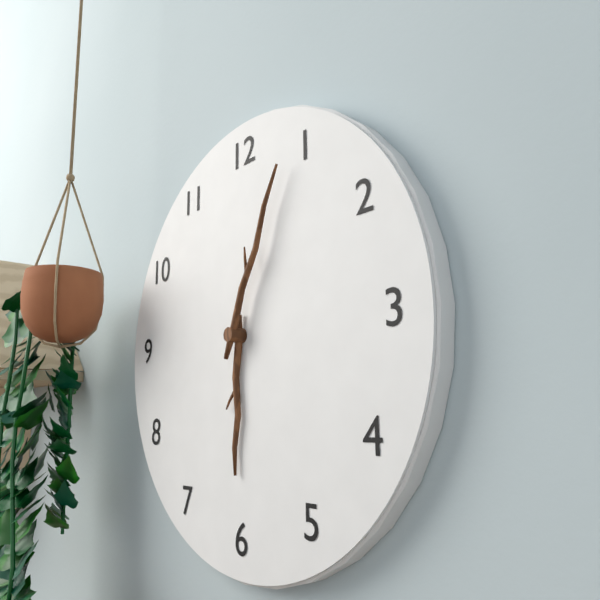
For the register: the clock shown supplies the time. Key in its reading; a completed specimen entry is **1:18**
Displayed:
**6:04**
